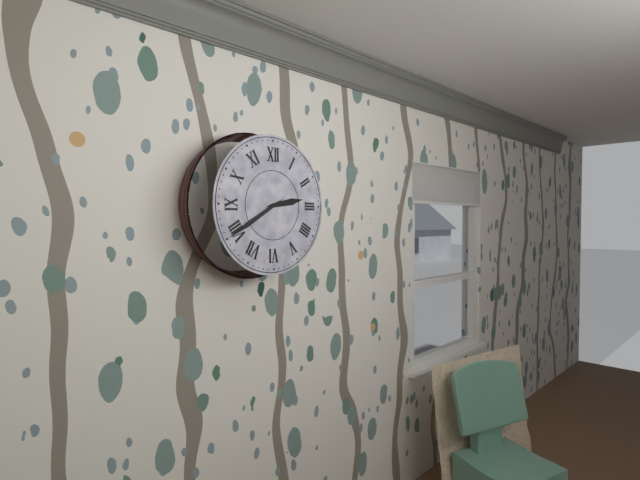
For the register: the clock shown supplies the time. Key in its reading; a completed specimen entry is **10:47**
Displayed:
**2:40**
